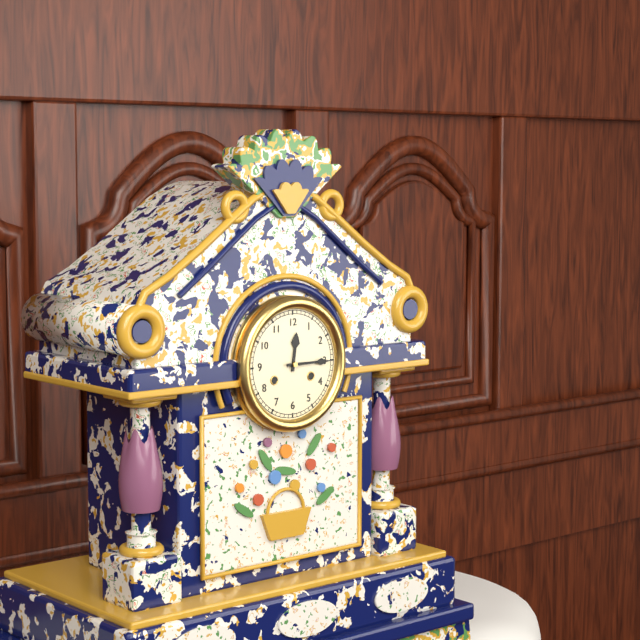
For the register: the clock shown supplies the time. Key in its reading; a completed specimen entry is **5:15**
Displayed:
**12:15**
